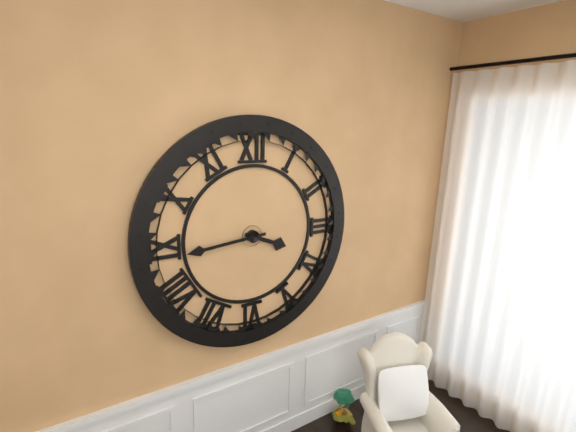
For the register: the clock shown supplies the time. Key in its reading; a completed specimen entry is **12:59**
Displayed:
**3:44**
